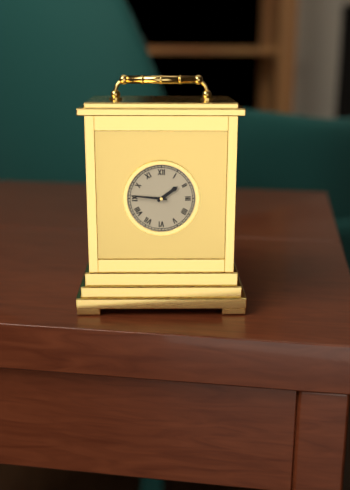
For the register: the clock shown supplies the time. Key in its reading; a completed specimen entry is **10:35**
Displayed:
**1:46**
